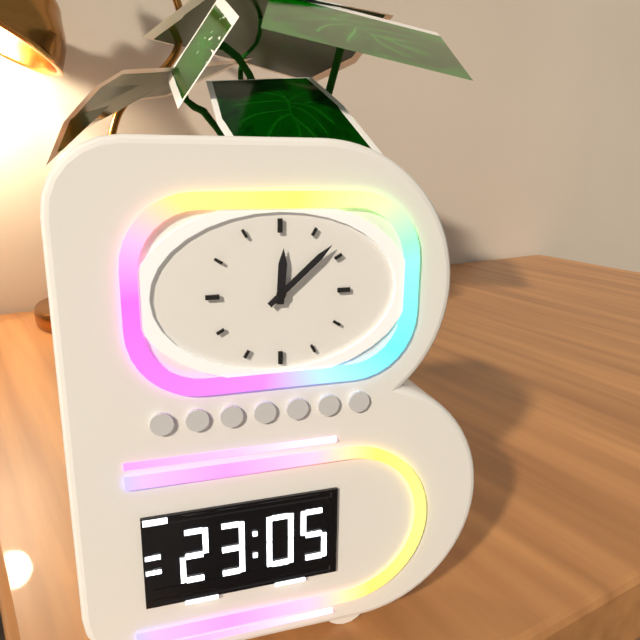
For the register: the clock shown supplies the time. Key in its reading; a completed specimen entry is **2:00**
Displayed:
**12:08**
